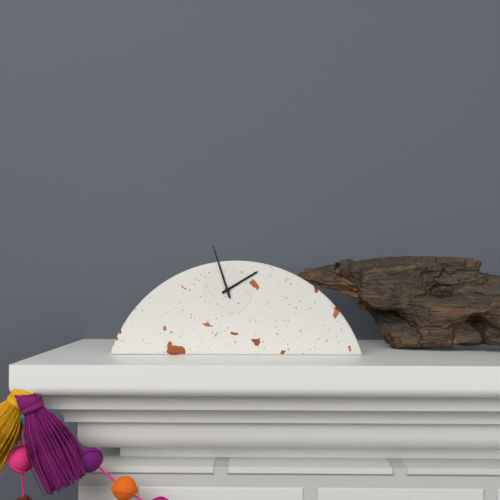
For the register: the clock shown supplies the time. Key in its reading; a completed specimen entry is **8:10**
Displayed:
**1:57**
